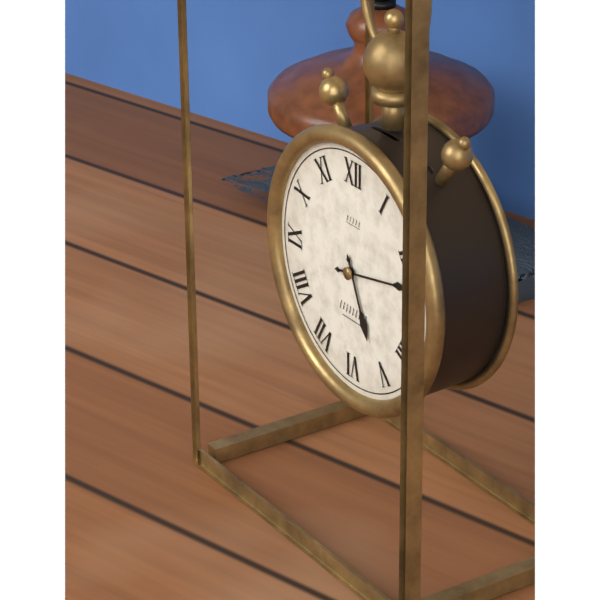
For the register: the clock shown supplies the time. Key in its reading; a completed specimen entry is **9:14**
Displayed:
**5:13**
